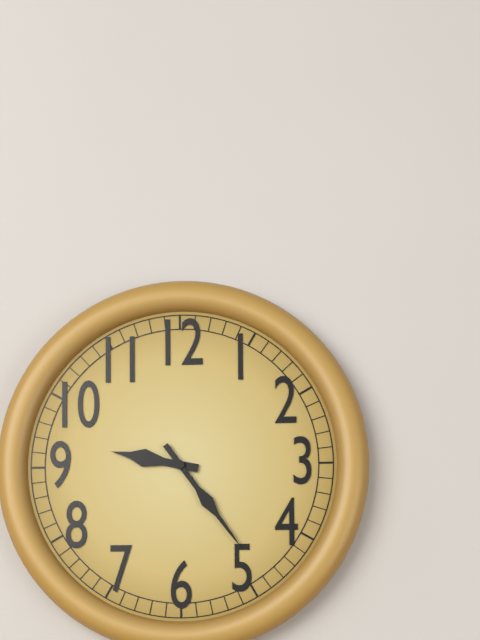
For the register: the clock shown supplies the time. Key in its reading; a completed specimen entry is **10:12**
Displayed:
**9:24**
